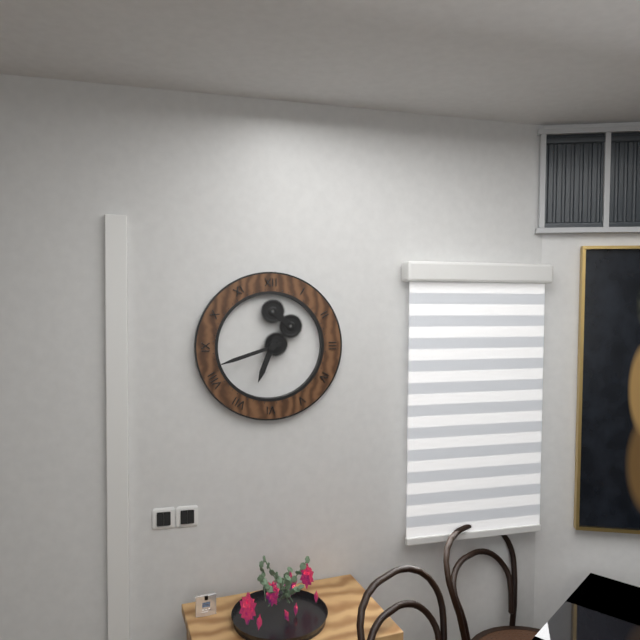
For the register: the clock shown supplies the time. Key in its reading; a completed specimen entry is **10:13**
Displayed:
**6:42**
